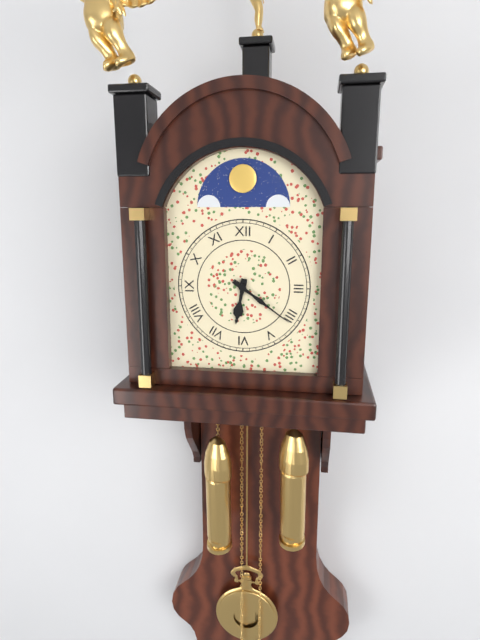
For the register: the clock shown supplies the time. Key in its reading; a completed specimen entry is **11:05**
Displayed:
**6:21**
